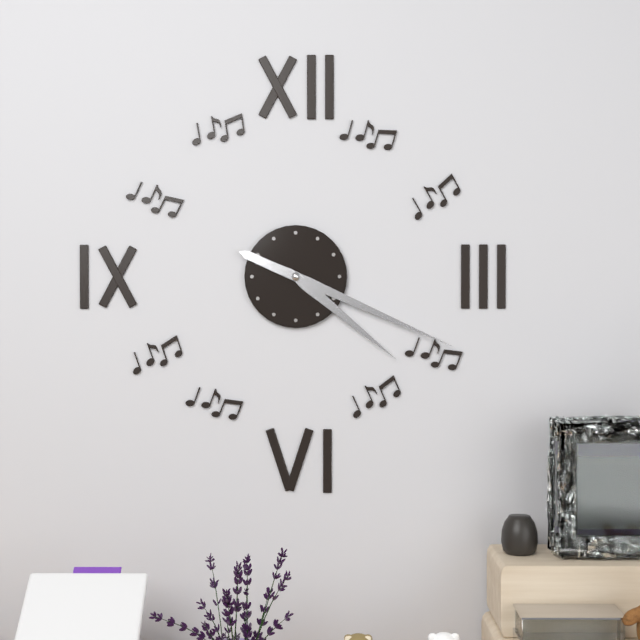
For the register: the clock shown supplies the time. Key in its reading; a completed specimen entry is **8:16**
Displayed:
**4:19**
